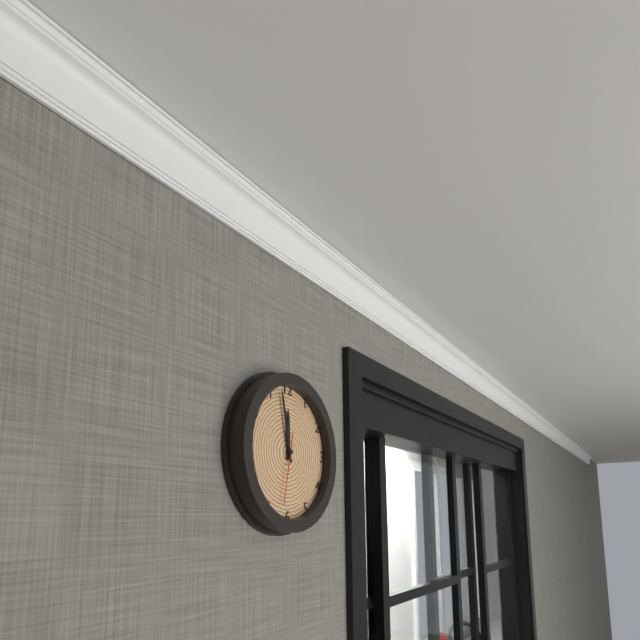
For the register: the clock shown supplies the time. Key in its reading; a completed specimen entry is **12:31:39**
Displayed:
**11:58:32**
